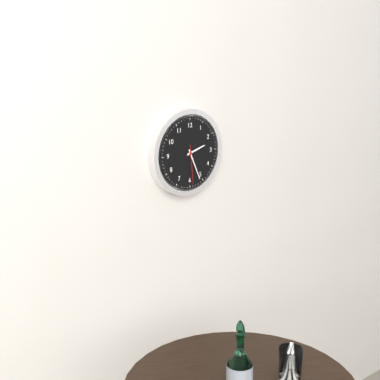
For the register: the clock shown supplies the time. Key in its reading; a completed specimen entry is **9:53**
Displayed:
**2:26**
